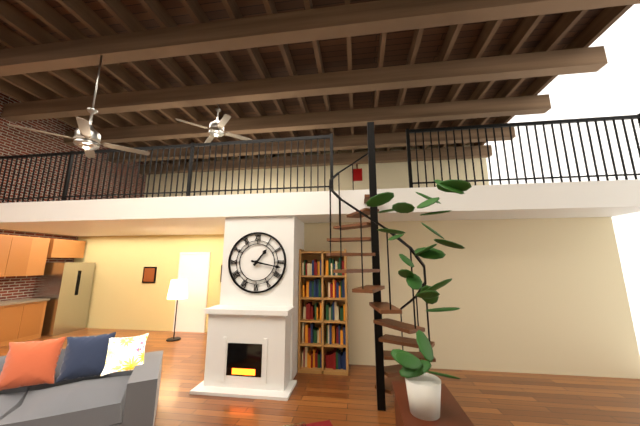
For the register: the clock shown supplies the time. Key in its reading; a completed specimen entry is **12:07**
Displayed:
**1:17**
